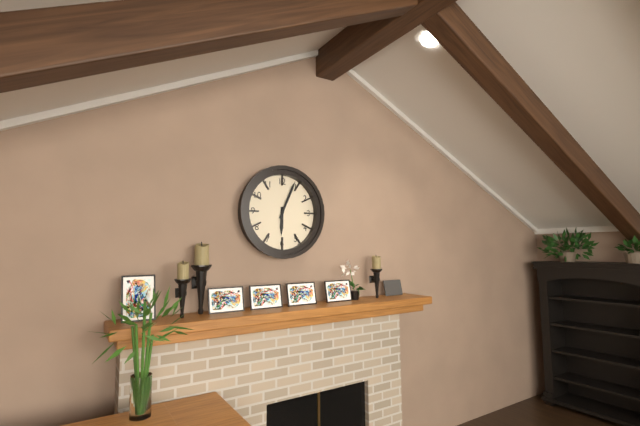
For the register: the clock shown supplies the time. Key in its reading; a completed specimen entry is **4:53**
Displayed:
**6:04**
